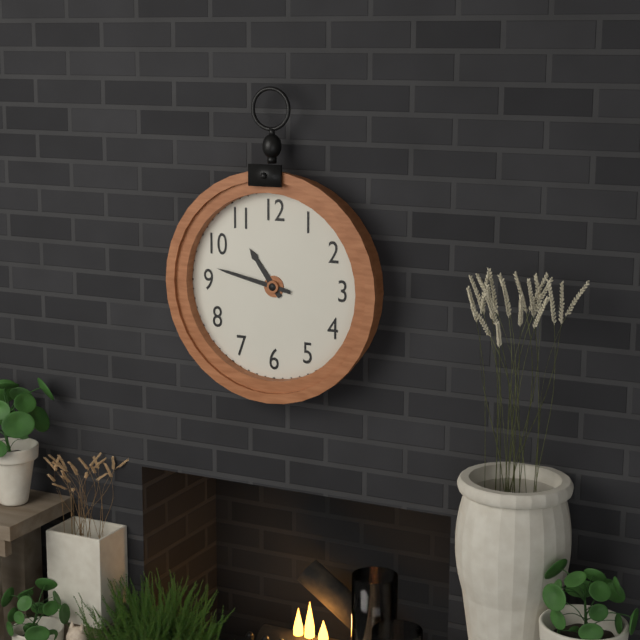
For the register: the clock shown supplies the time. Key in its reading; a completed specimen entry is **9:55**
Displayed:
**10:47**
